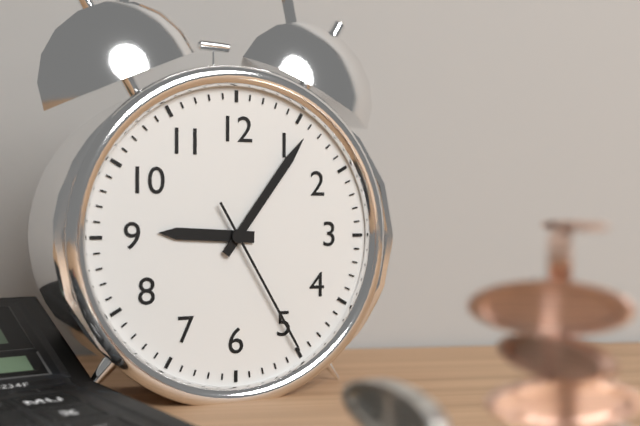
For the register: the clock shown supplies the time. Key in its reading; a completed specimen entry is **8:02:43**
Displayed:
**9:06:25**
